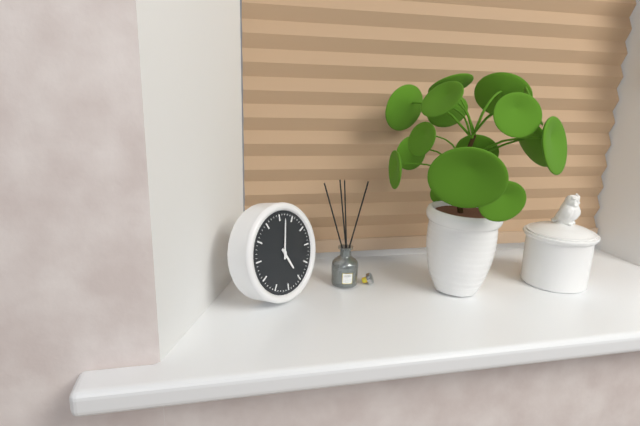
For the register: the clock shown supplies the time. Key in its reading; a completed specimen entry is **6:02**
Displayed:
**5:02**
